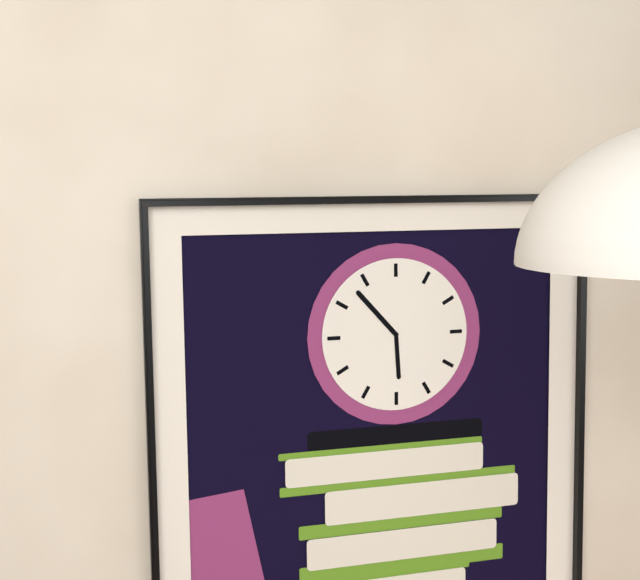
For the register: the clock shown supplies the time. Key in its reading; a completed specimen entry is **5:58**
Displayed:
**5:53**
